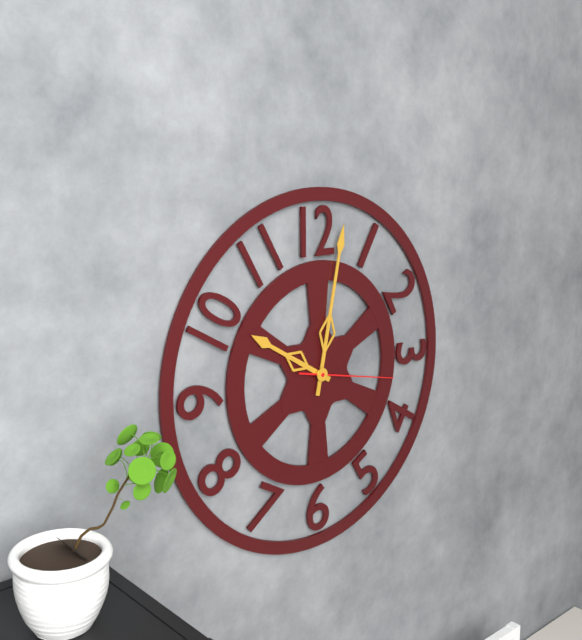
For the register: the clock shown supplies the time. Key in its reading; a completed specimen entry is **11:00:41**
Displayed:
**10:02:17**
